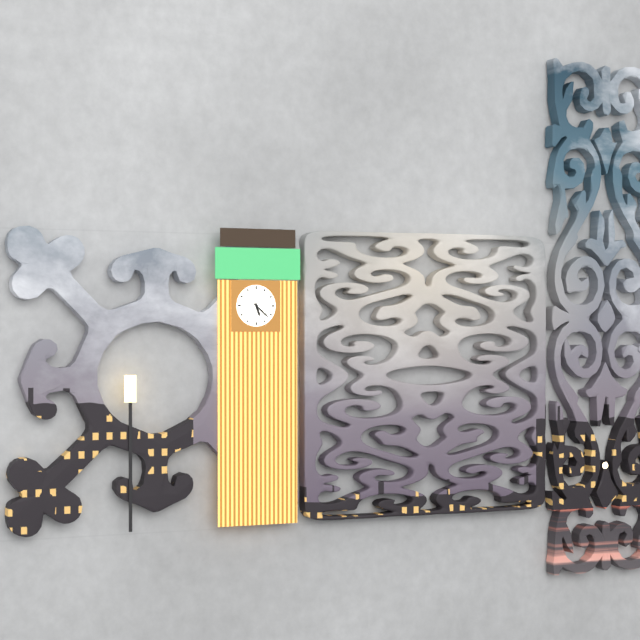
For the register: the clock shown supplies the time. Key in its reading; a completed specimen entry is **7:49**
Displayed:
**5:22**
